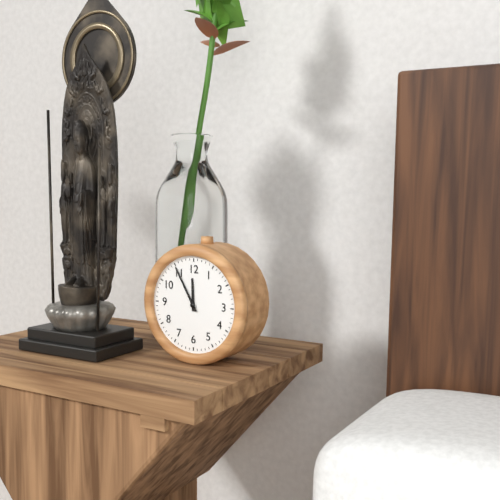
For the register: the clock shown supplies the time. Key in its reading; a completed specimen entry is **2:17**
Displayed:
**11:55**
